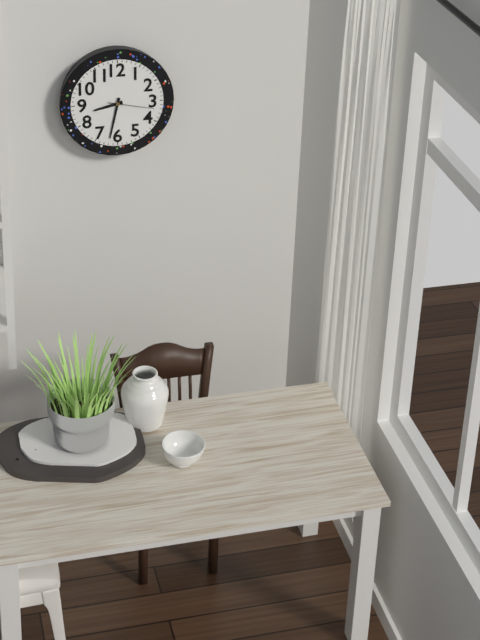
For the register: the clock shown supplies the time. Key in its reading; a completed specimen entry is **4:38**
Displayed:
**8:32**
